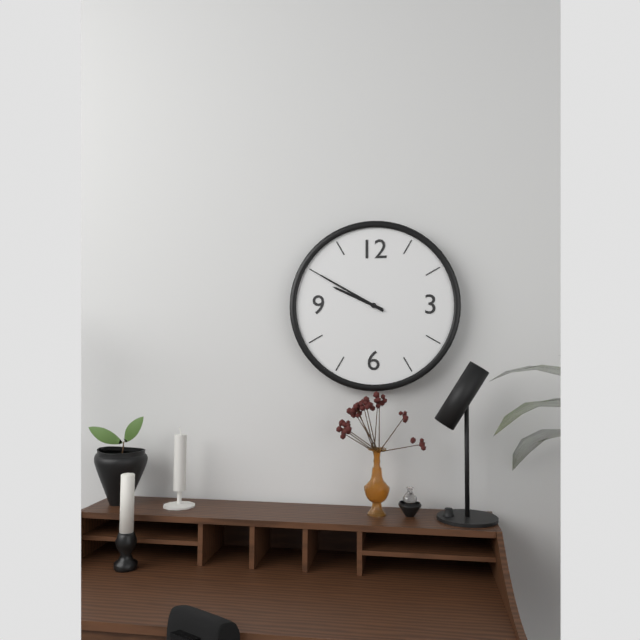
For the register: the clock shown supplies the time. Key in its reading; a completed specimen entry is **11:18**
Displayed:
**9:50**
